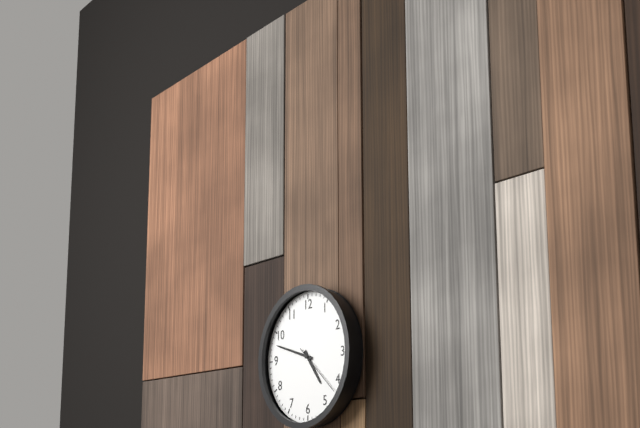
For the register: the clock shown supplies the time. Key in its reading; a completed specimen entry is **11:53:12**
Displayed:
**4:48:22**
